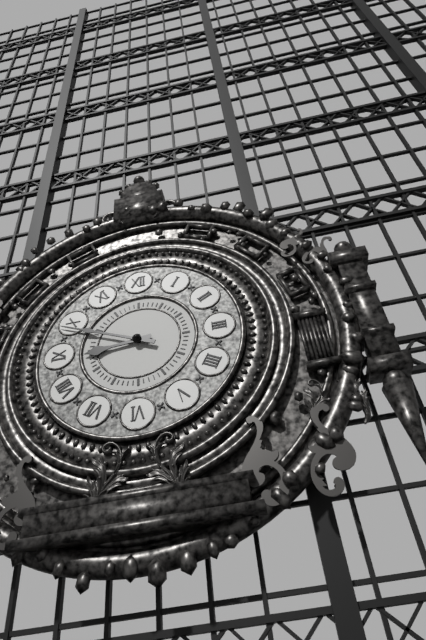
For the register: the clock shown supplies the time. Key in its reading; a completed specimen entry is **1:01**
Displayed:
**8:49**
